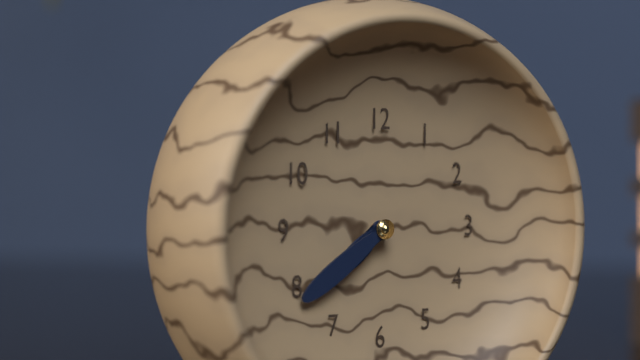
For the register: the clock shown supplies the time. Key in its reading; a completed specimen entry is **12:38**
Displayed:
**7:39**
